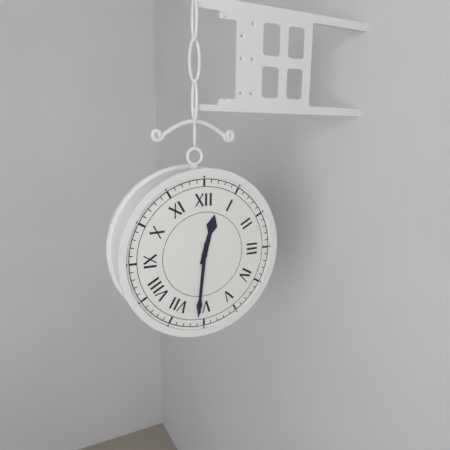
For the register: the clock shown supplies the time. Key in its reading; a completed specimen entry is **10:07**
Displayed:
**12:31**
